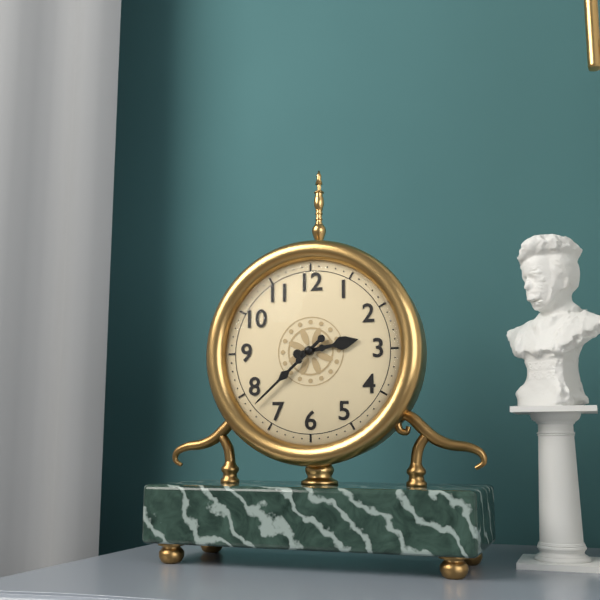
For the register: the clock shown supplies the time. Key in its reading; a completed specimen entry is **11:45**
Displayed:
**2:38**
